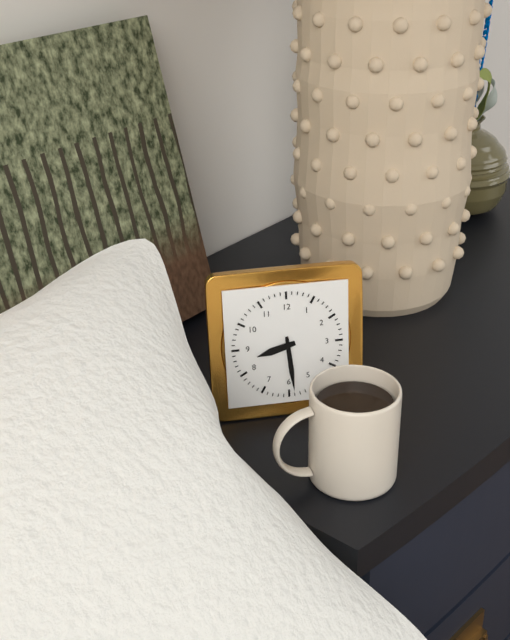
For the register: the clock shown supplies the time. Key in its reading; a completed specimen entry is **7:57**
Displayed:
**8:29**
